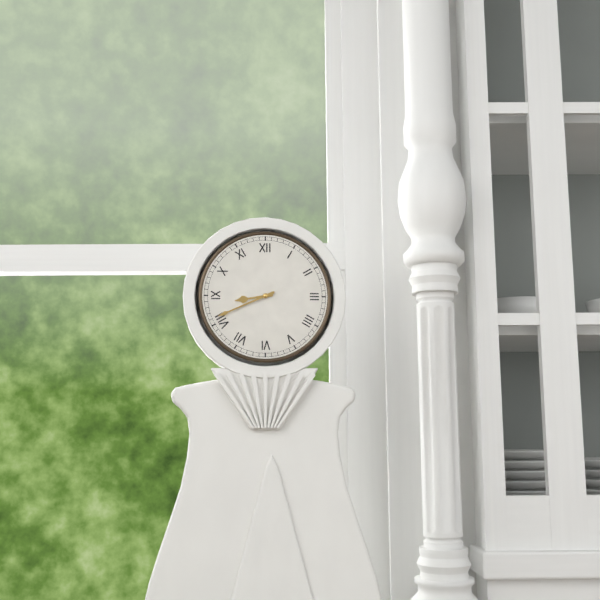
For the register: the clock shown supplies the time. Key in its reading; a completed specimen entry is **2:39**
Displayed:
**8:41**
